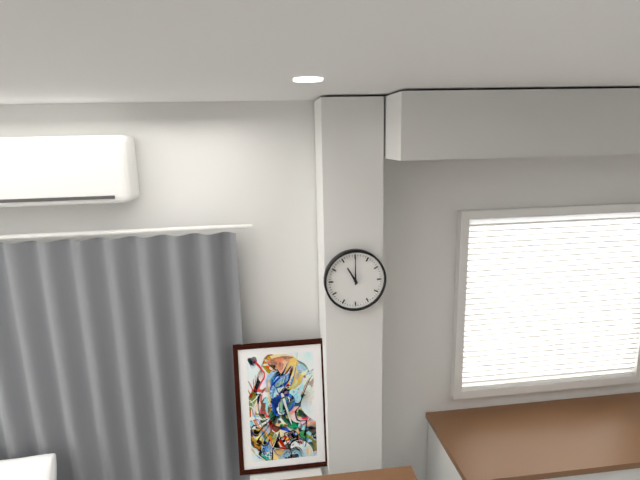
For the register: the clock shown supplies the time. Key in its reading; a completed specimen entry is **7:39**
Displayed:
**11:00**
